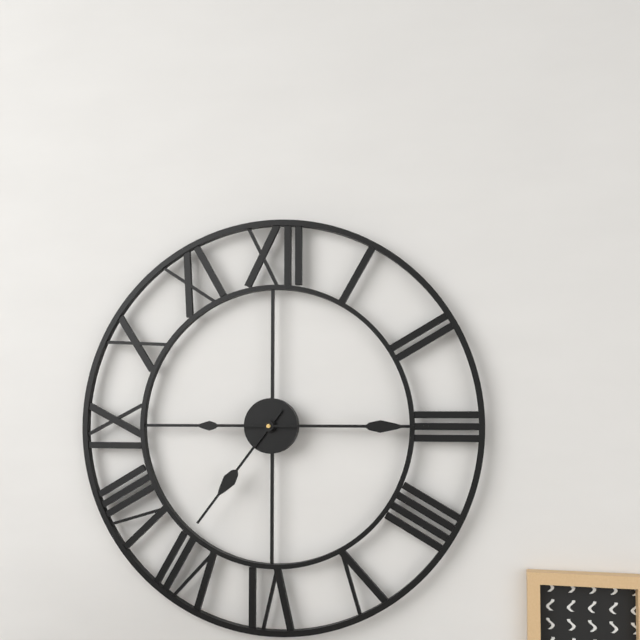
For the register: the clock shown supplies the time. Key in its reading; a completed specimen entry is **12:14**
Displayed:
**7:15**
